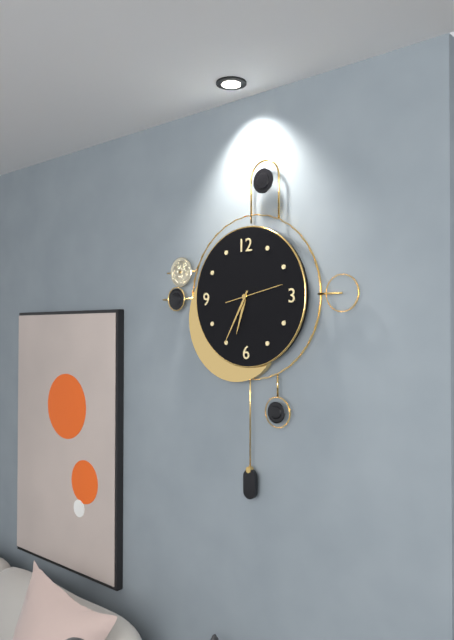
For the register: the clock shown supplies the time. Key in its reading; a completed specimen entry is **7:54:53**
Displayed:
**6:35:13**
